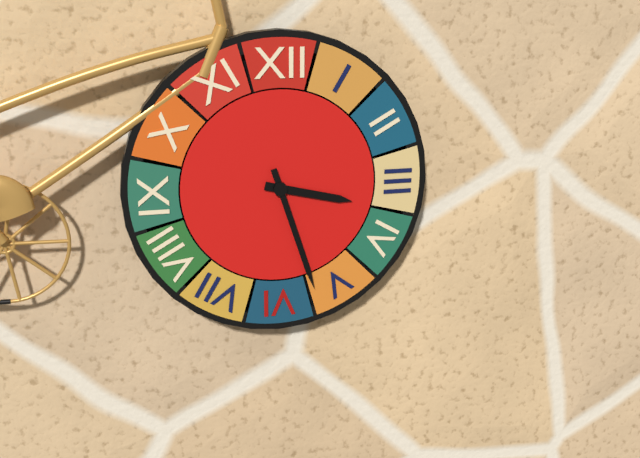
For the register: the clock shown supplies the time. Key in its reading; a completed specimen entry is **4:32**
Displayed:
**3:27**
